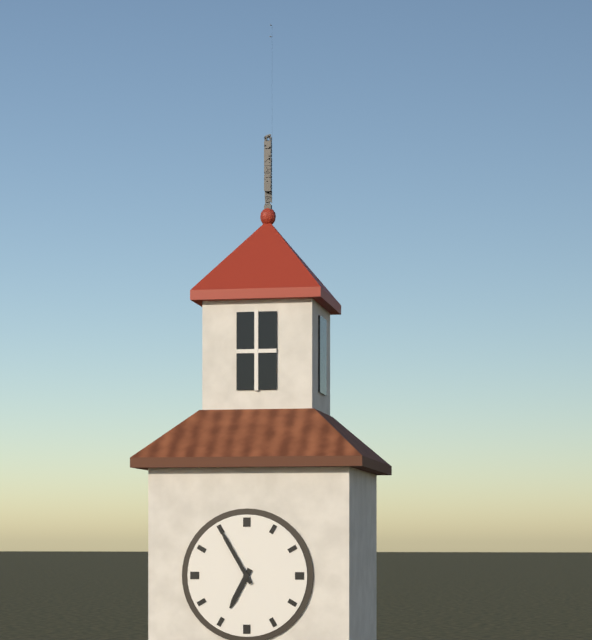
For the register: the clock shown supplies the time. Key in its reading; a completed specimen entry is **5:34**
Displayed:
**6:55**
